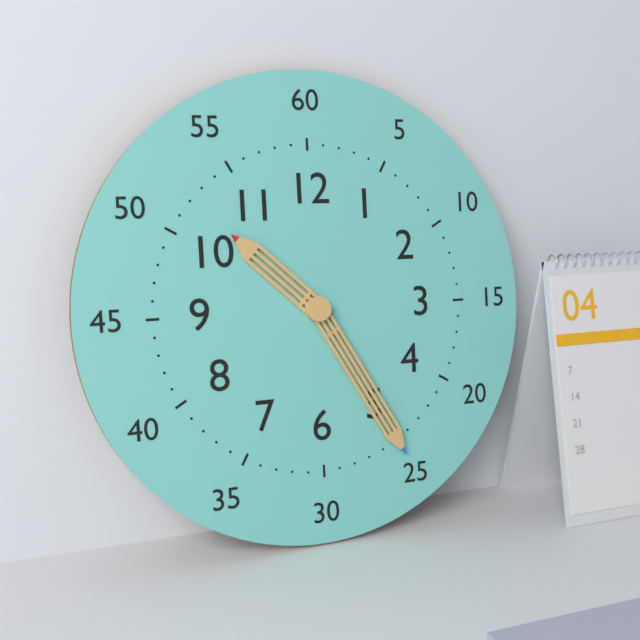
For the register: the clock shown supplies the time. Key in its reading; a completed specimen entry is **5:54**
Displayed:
**10:25**
